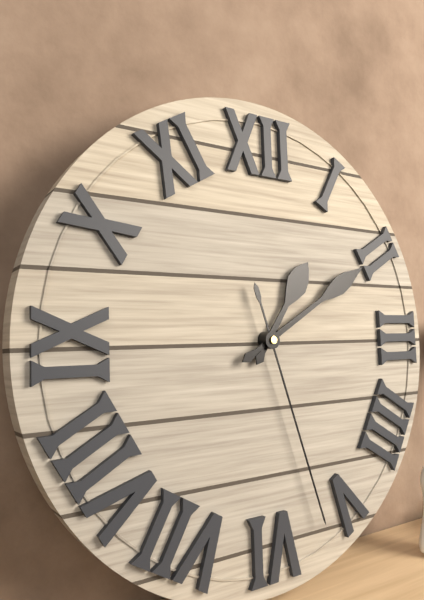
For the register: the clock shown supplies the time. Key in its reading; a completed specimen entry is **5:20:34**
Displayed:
**1:10:27**
